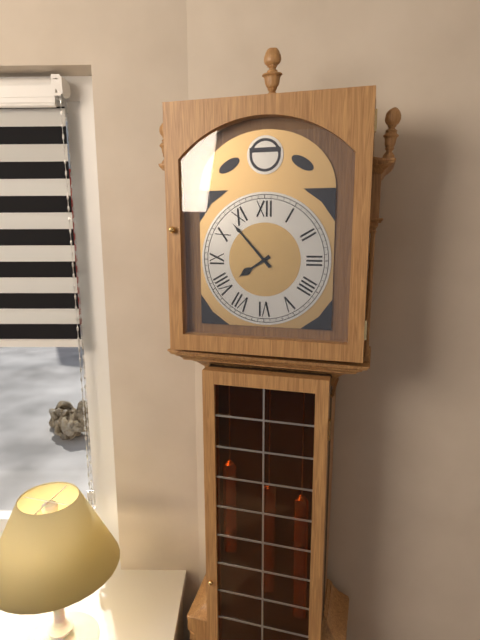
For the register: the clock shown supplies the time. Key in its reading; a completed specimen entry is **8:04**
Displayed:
**7:53**
